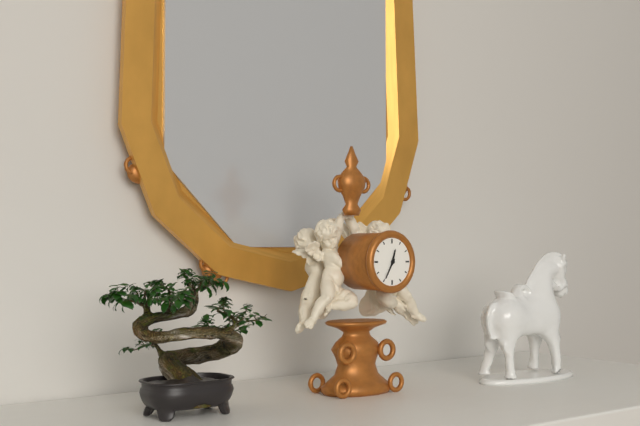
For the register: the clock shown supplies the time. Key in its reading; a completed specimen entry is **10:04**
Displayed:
**12:35**
